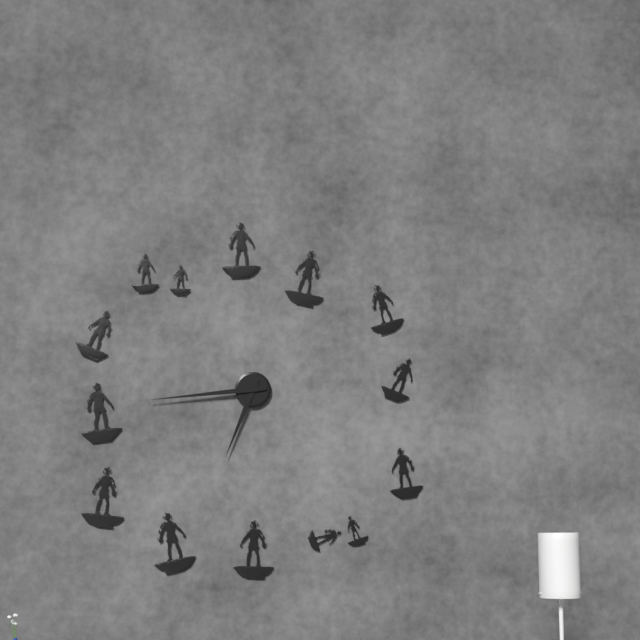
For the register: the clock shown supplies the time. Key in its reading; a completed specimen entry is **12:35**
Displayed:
**6:44**
